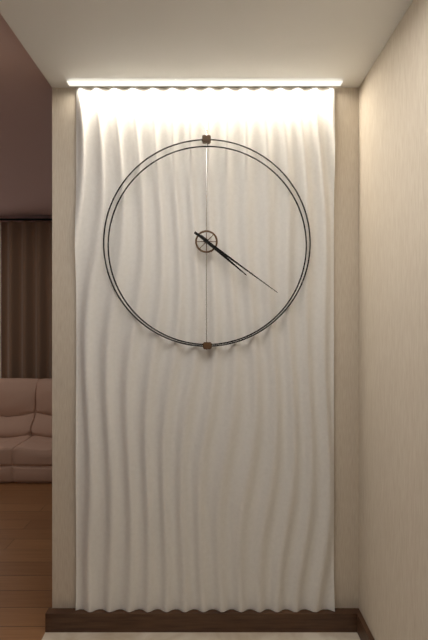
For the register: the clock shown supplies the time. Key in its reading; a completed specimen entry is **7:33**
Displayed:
**4:21**
